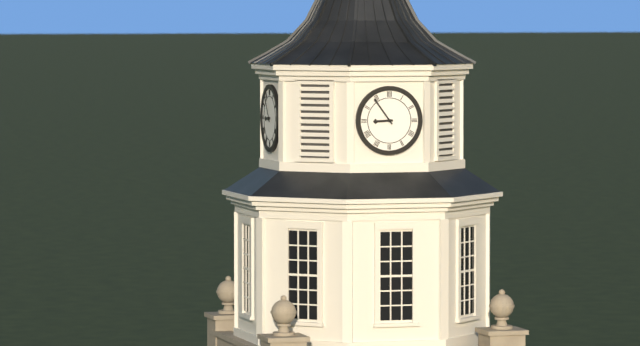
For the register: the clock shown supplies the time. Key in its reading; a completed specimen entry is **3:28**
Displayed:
**8:54**
